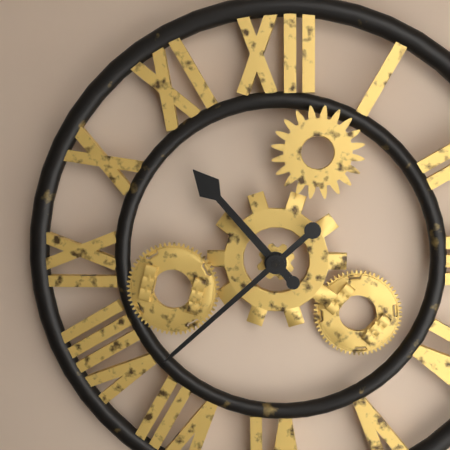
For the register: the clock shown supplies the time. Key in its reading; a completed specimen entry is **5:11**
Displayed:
**10:38**
